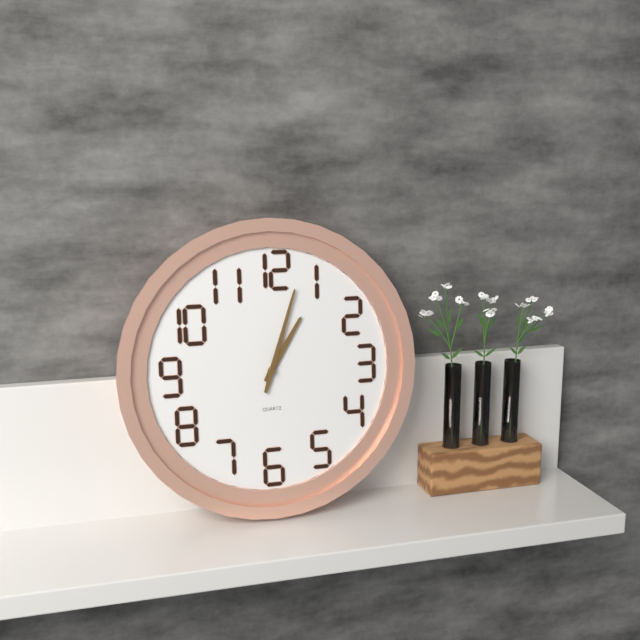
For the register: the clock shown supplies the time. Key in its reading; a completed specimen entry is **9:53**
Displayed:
**1:03**
